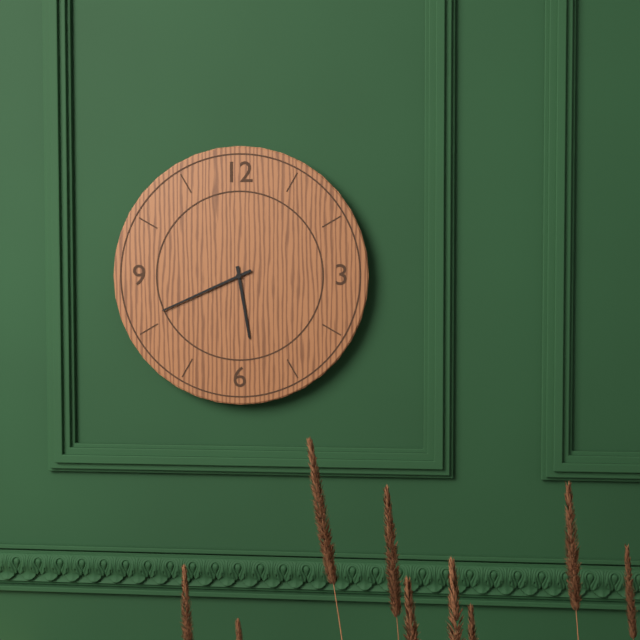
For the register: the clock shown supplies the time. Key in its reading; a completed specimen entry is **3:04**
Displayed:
**5:41**
